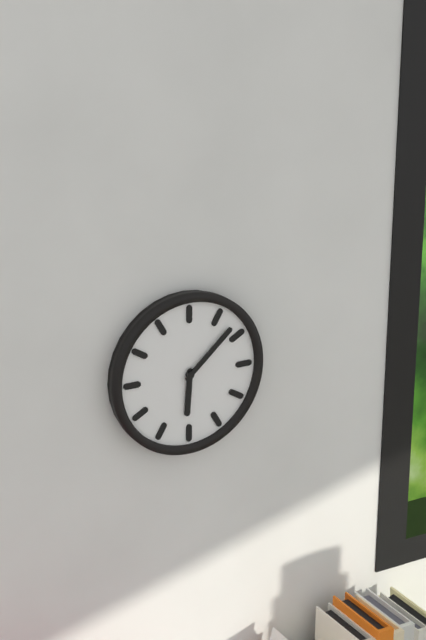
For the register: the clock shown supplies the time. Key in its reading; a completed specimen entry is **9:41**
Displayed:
**6:08**
